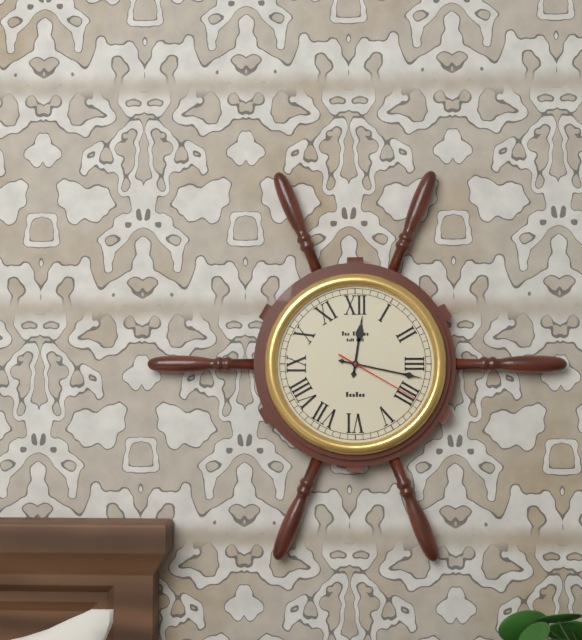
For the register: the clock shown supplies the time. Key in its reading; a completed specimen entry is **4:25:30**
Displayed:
**12:17:20**
